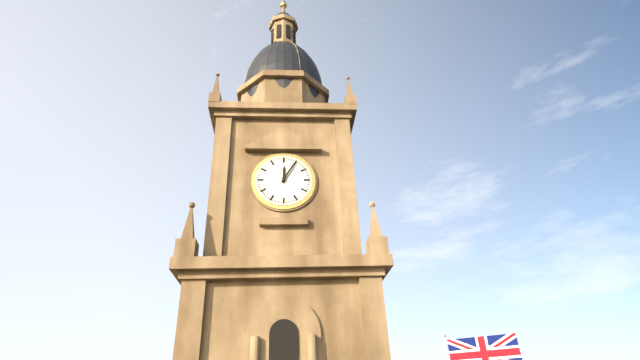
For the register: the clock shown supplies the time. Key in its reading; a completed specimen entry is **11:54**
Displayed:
**12:05**
